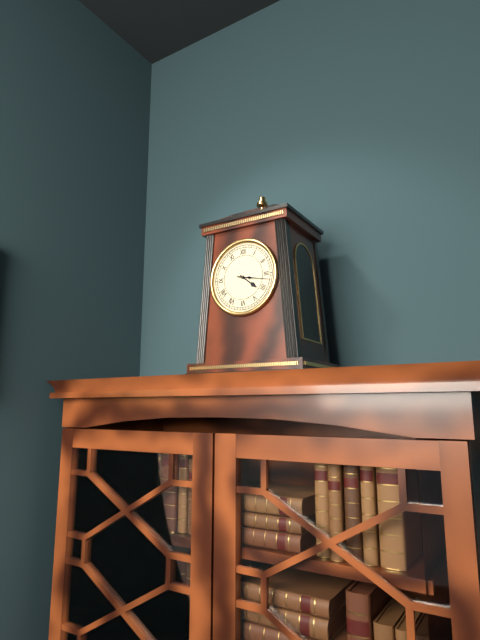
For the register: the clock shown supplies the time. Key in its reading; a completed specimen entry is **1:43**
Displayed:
**4:17**
